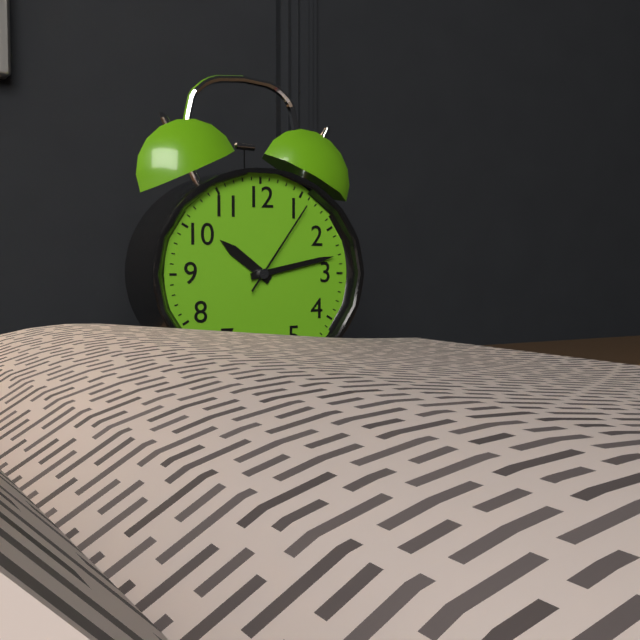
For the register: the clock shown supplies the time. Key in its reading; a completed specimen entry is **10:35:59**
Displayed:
**10:13:06**
